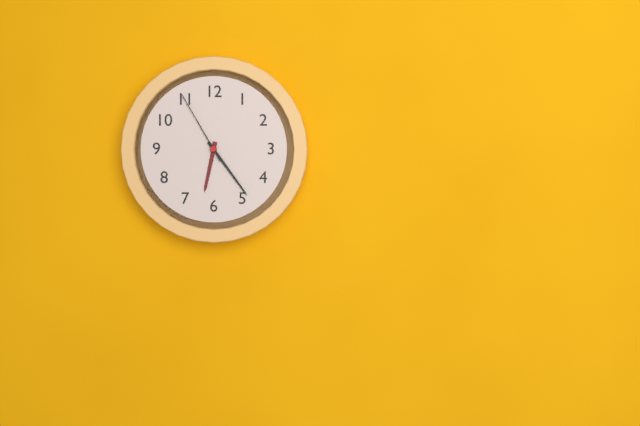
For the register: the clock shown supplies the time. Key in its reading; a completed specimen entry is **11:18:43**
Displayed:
**6:24:55**
